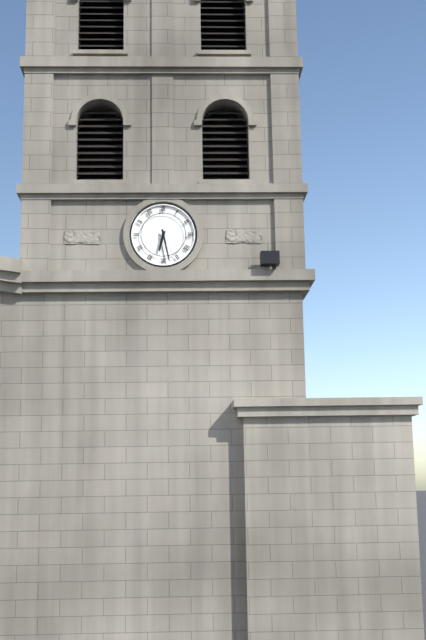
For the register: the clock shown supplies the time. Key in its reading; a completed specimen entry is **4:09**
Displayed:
**6:28**
